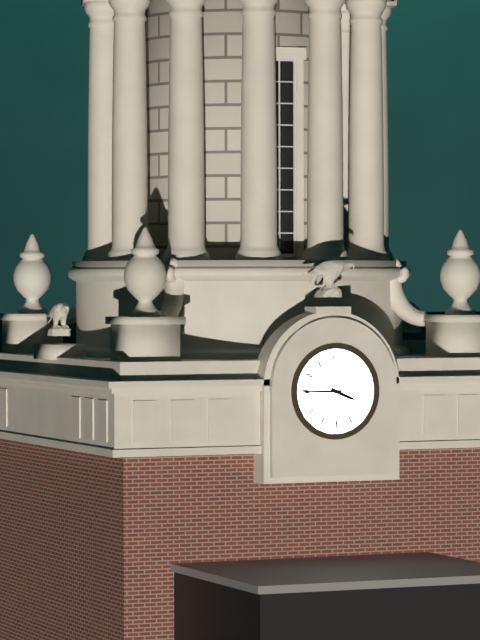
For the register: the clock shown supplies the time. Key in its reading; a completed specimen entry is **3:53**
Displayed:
**3:45**
